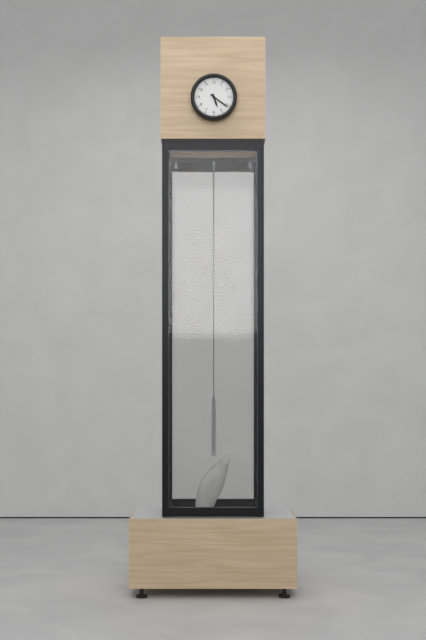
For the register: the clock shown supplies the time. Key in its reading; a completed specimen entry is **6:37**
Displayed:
**5:21**
